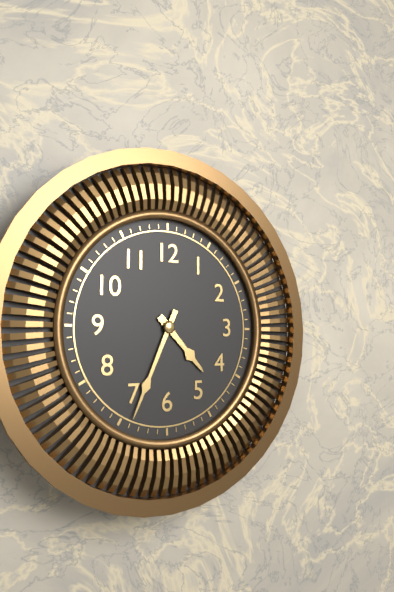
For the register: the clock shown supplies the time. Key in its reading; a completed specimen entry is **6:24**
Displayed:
**4:34**
